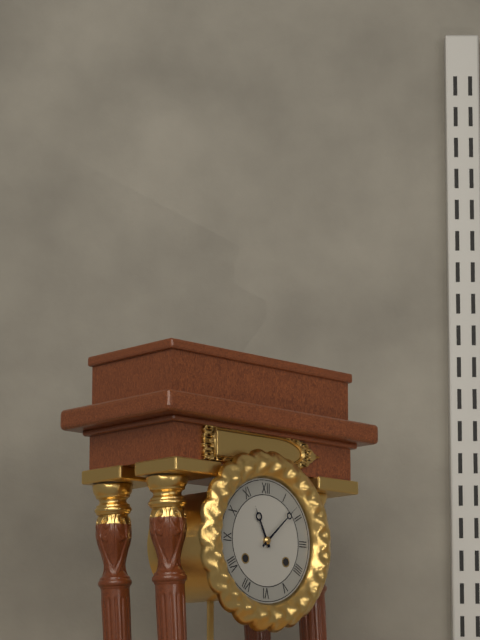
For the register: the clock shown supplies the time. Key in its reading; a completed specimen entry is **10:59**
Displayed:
**11:08**
